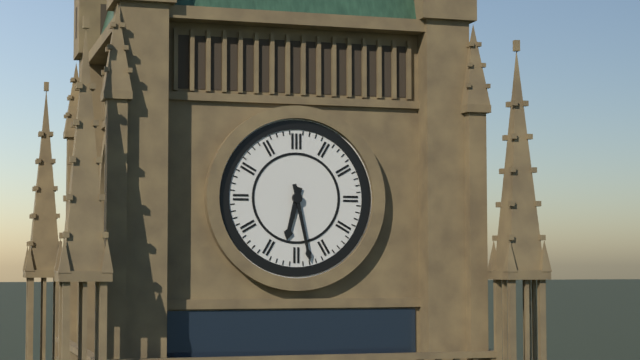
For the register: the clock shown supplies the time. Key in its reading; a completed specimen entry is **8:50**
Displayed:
**6:28**
